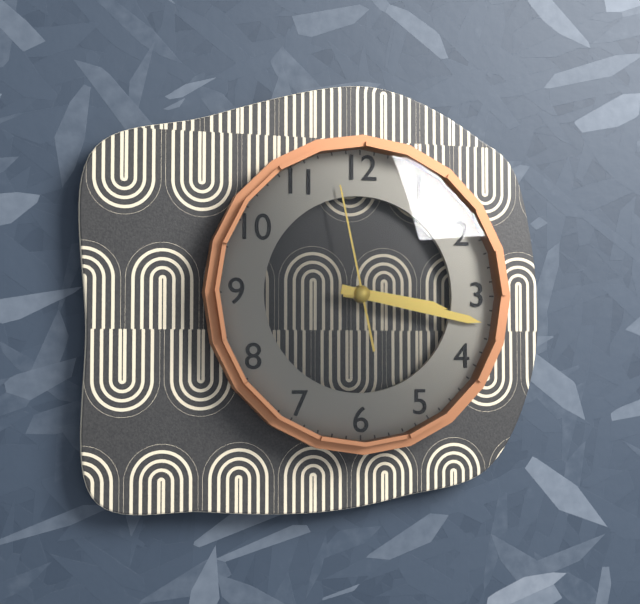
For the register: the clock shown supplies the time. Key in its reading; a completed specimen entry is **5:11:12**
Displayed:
**3:17:58**
